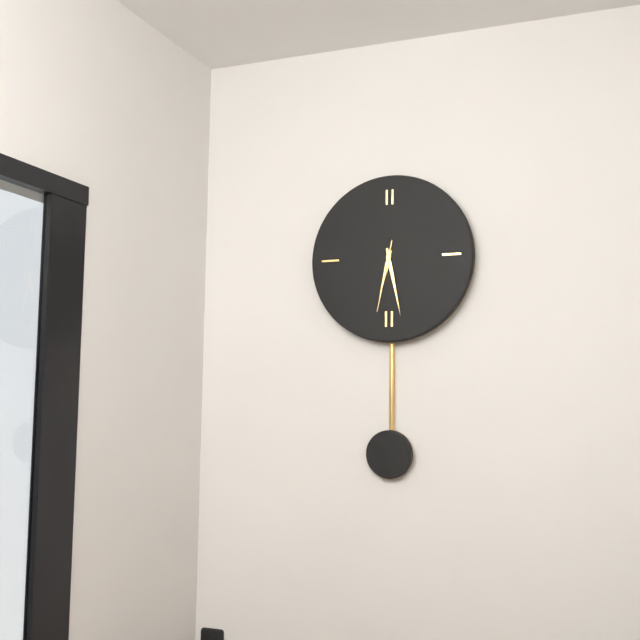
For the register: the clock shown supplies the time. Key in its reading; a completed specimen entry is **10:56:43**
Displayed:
**6:28:32**
